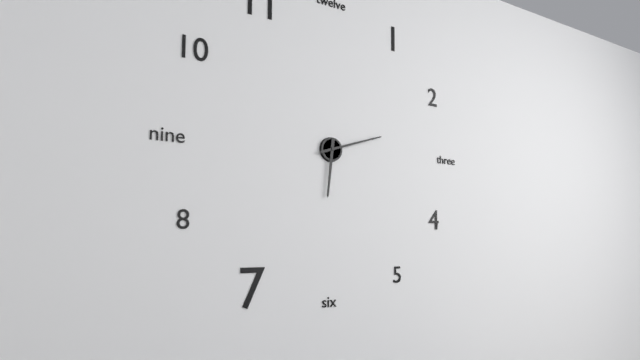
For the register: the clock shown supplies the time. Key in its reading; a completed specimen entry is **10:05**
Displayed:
**6:12**
